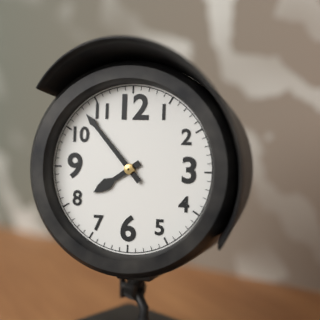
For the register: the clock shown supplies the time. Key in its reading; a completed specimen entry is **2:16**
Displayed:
**7:53**
